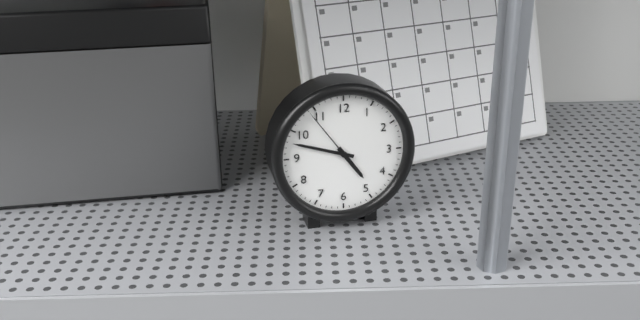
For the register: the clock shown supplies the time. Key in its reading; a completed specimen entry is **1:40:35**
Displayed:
**4:48:54**
